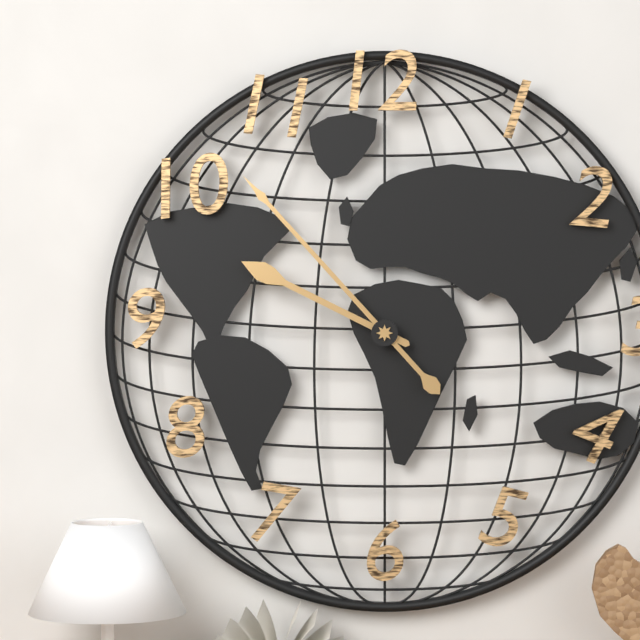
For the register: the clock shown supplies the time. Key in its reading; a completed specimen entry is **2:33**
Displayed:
**9:53**
